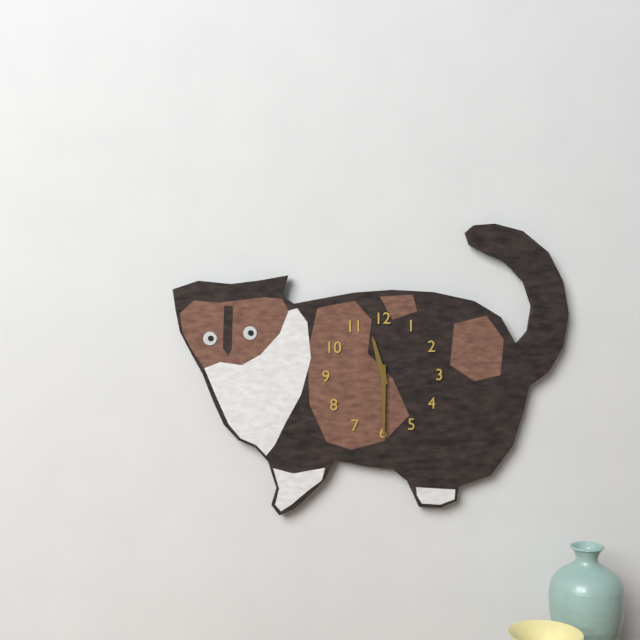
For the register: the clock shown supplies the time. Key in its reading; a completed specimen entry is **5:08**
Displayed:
**11:30**
